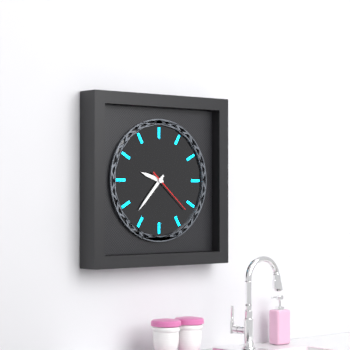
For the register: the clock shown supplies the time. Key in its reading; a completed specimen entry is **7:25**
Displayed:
**9:37**
